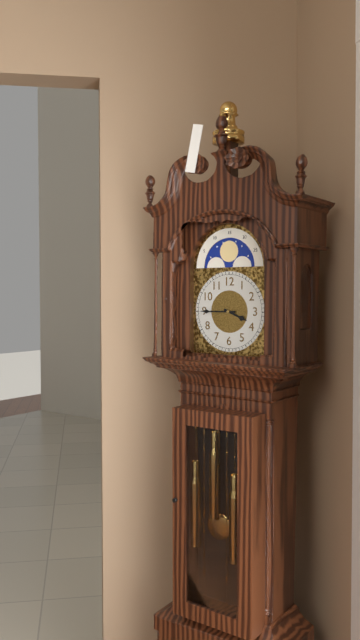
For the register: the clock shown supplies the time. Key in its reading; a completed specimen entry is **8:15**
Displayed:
**3:45**
